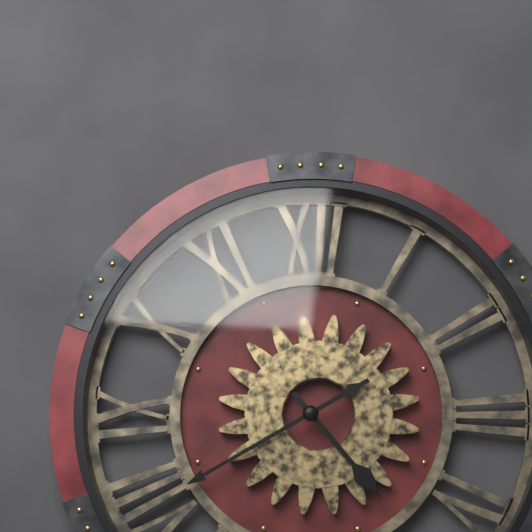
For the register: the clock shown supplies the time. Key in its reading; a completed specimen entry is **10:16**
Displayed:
**4:40**
